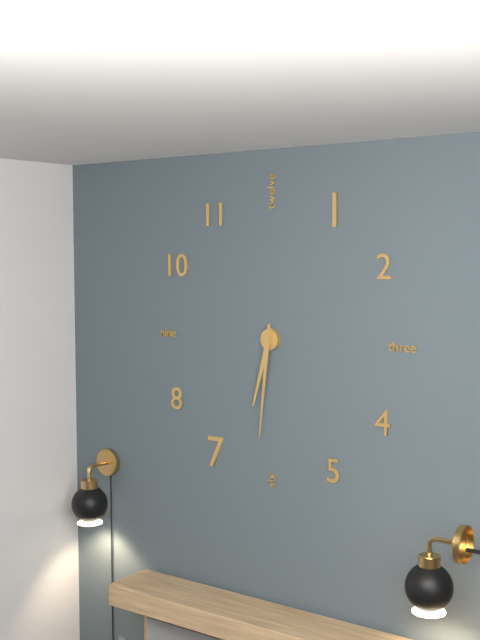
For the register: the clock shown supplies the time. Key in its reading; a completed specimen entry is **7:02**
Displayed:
**6:31**
